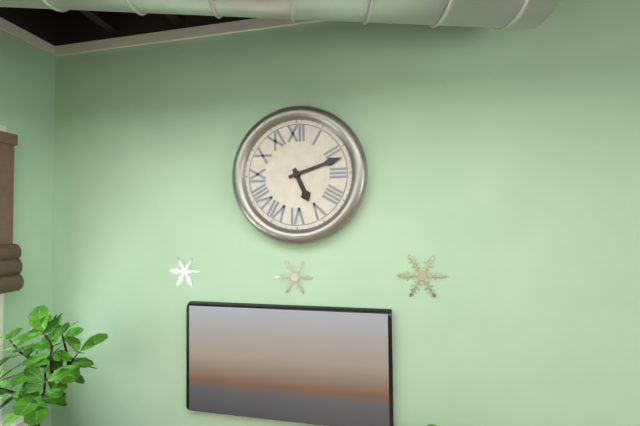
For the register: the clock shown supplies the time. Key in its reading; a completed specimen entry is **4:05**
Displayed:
**5:12**
